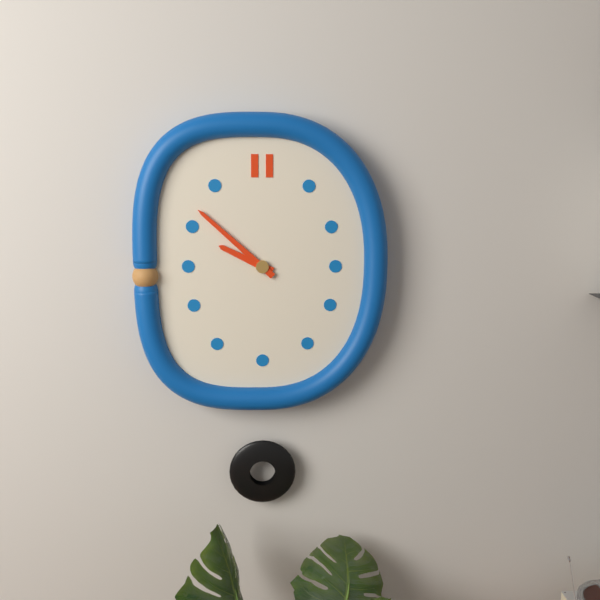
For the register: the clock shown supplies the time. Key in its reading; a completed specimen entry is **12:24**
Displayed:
**9:52**
